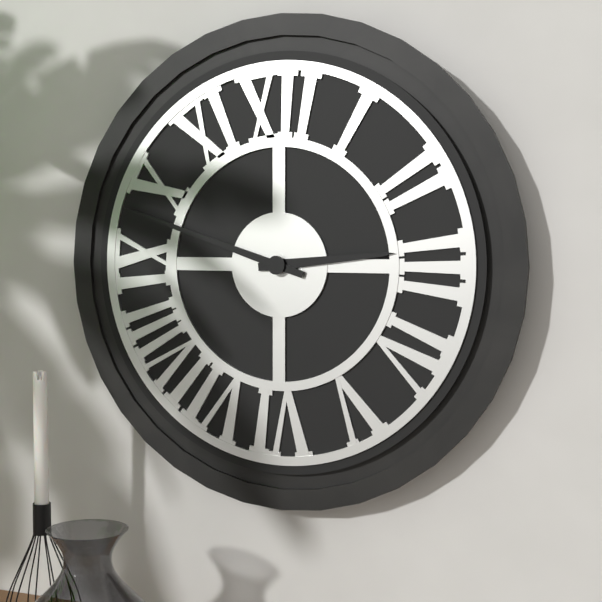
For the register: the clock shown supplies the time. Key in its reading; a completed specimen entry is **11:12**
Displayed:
**2:48**
